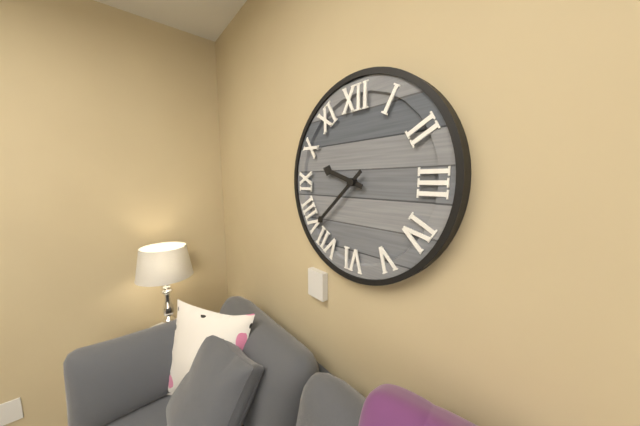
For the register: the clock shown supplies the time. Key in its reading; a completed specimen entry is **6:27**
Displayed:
**9:38**
